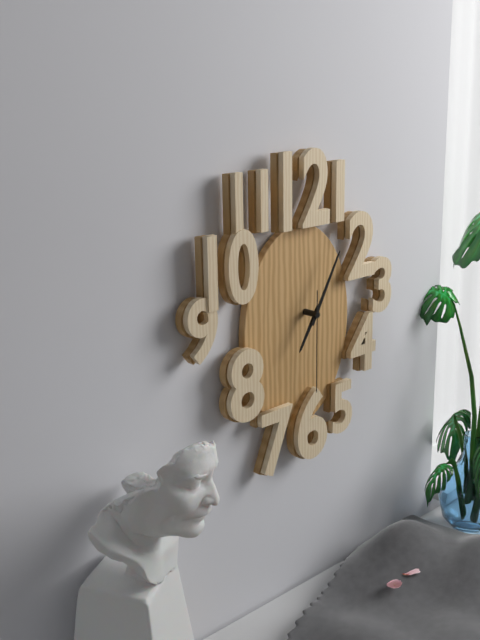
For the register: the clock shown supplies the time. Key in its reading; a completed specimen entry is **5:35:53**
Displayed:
**7:05:30**
